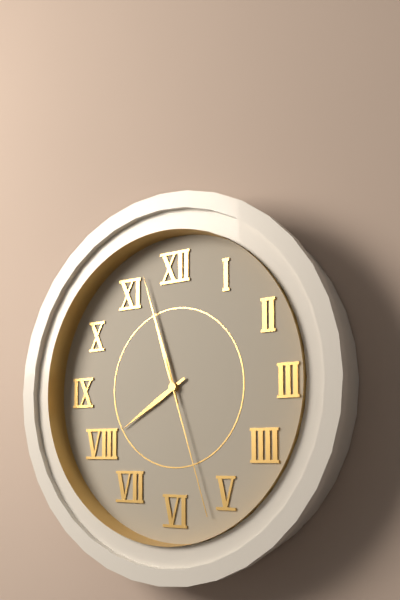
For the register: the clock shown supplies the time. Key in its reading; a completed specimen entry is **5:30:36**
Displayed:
**7:57:27**
